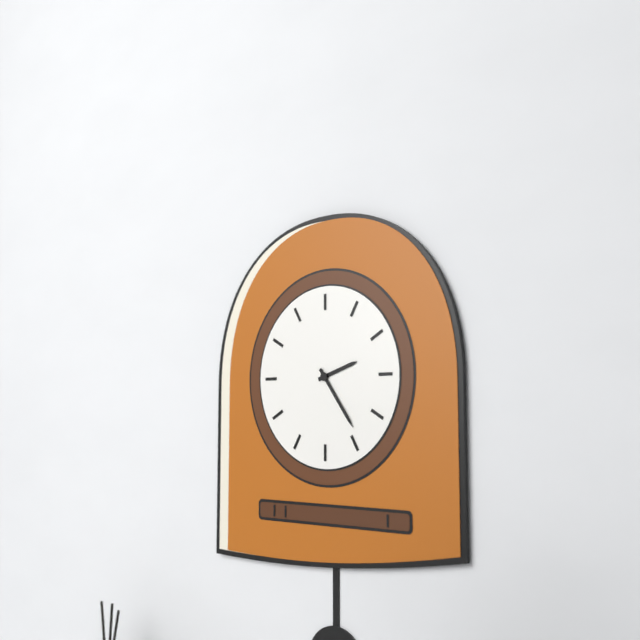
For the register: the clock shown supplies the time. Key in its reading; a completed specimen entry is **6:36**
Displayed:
**2:24**
